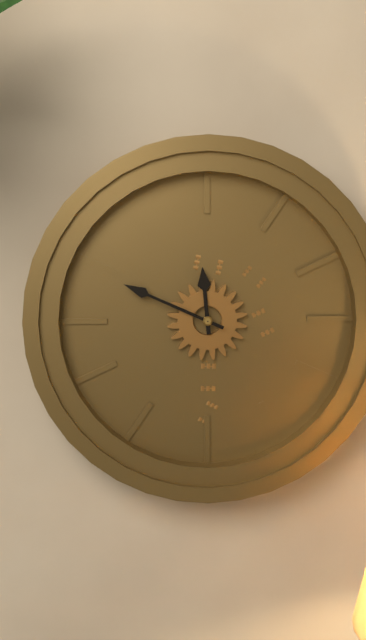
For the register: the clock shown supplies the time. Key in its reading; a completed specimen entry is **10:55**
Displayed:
**11:49**
